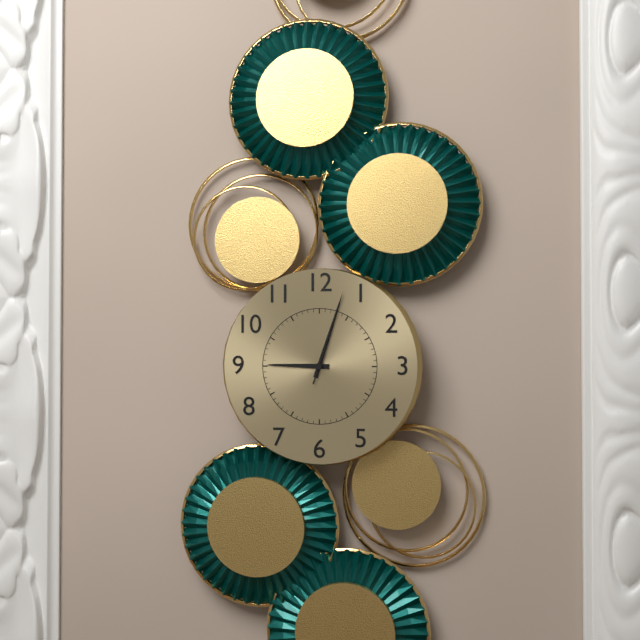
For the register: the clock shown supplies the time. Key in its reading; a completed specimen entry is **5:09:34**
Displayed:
**9:03:03**
